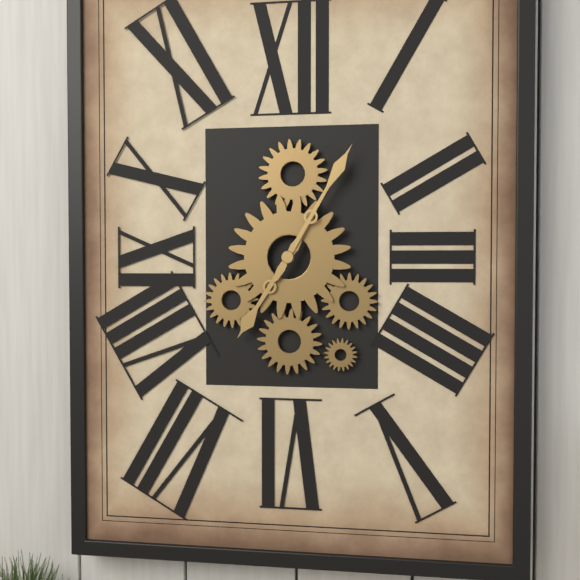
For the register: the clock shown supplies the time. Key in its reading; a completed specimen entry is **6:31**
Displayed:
**7:05**
